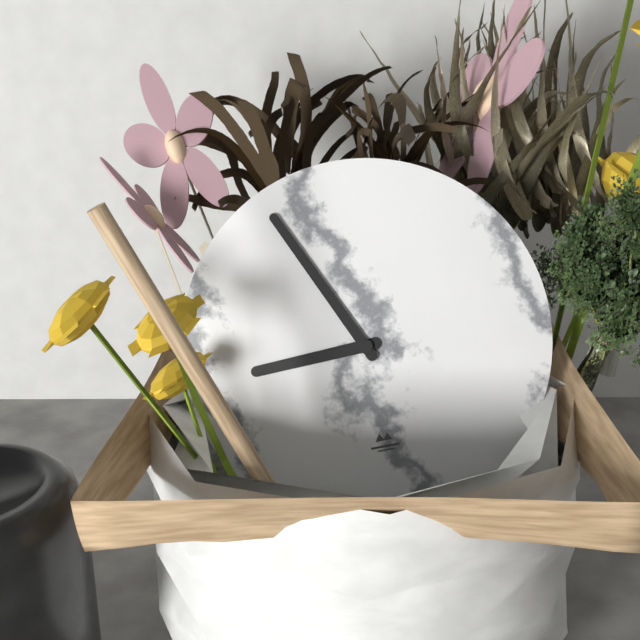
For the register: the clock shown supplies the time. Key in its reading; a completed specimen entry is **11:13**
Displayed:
**8:56**
